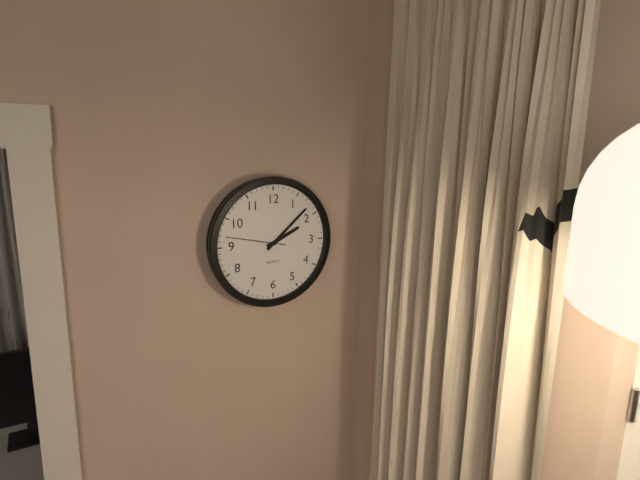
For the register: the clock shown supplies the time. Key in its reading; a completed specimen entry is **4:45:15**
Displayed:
**2:08:47**
